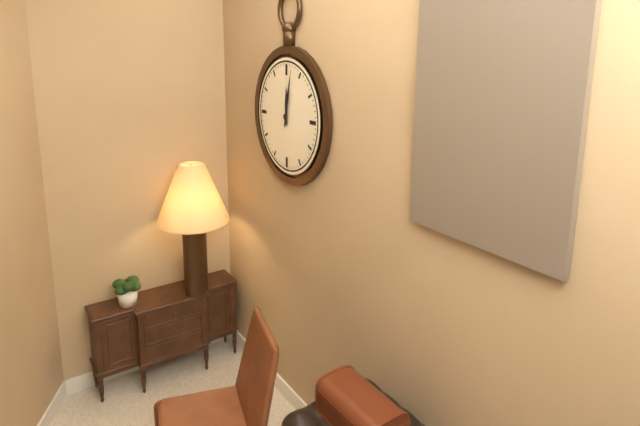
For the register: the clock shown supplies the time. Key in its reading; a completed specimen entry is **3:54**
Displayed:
**12:02**
